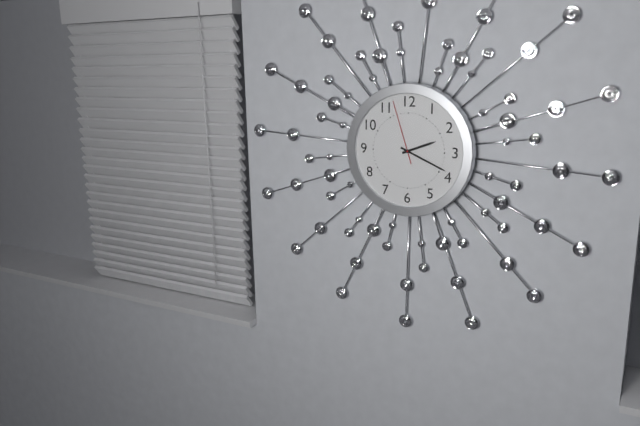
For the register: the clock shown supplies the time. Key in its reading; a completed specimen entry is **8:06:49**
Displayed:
**2:19:57**
